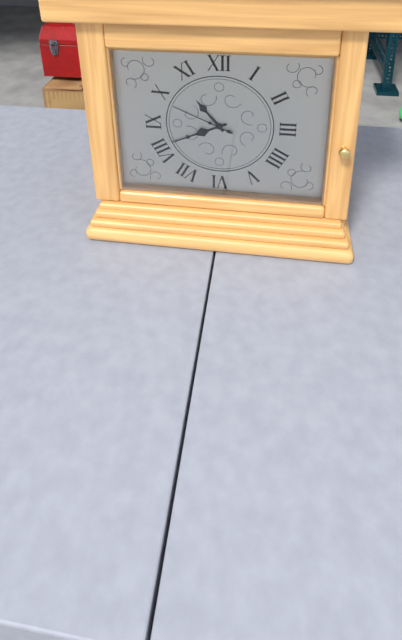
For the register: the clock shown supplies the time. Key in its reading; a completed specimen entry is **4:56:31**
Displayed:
**10:41:49**
